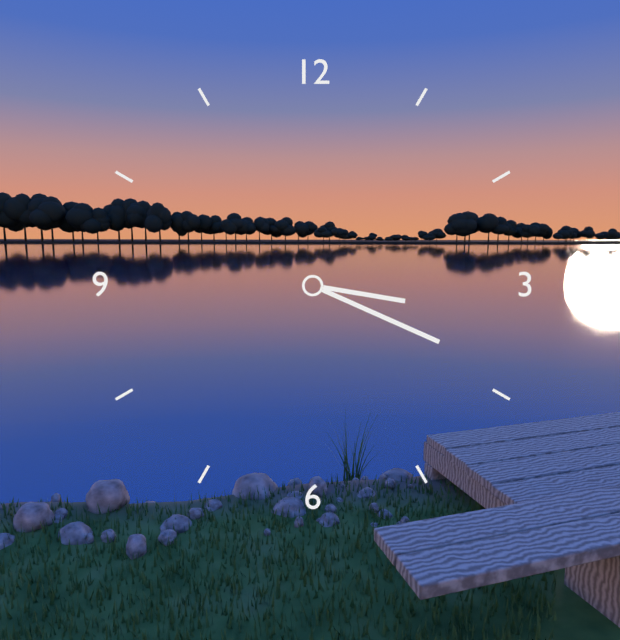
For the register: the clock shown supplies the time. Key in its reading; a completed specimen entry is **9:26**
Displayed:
**3:19**
